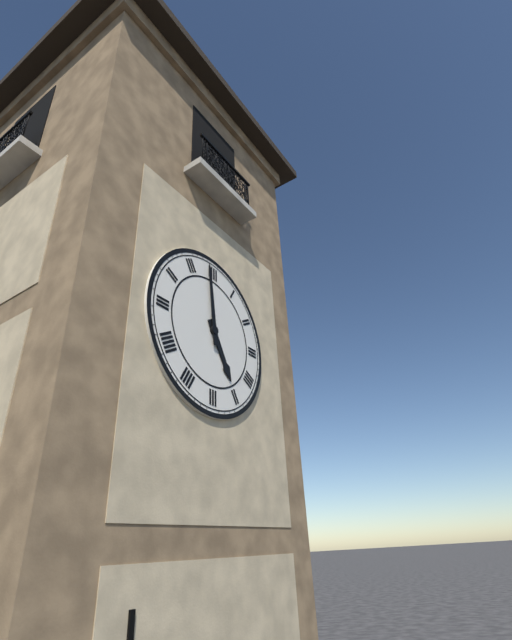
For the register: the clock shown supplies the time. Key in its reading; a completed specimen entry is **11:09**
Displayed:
**4:59**
